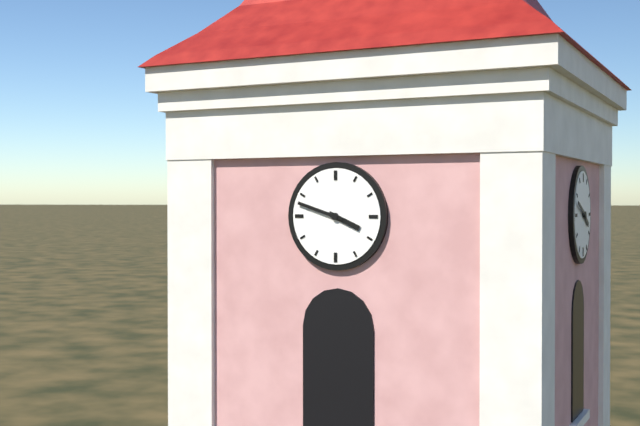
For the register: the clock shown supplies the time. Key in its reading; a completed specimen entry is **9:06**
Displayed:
**3:48**
